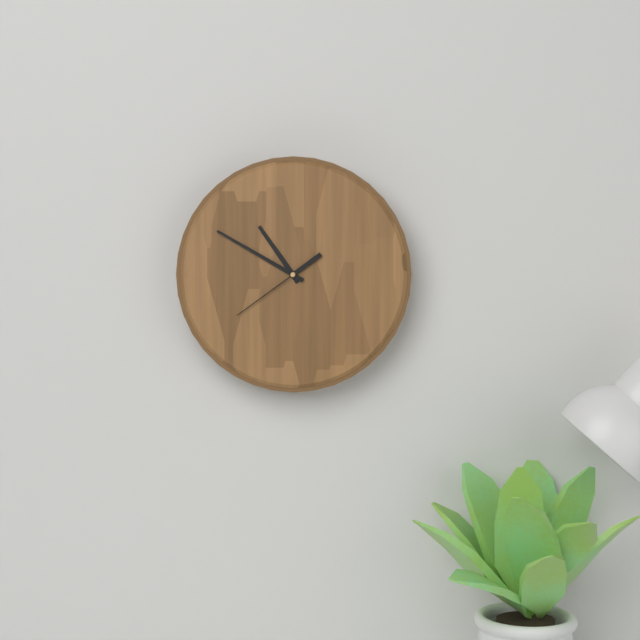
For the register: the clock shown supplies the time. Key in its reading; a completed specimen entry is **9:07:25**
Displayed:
**10:50:39**
